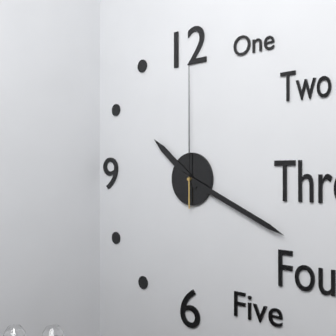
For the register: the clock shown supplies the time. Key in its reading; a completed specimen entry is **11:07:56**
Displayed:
**10:19:00**
